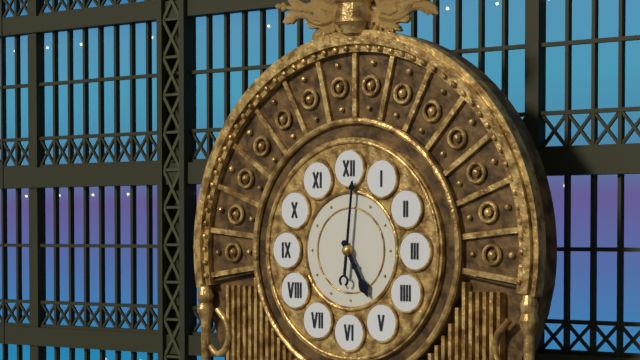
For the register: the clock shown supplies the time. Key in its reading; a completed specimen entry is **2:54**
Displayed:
**5:01**
